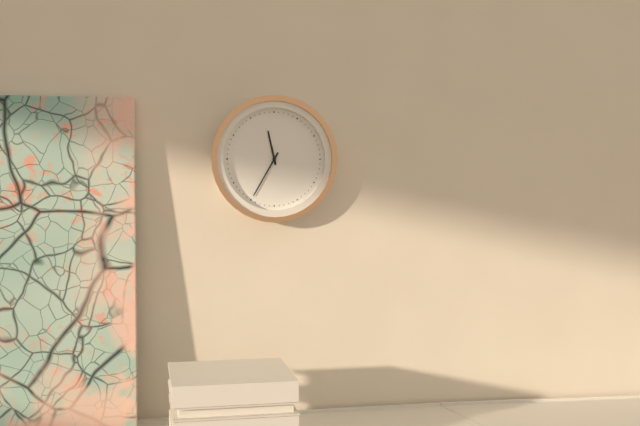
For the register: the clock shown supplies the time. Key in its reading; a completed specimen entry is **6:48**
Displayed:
**11:35**
